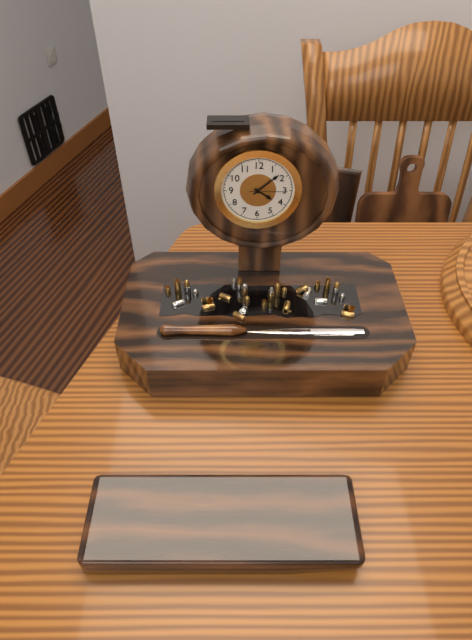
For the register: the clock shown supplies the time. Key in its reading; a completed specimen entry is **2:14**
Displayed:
**4:08**
